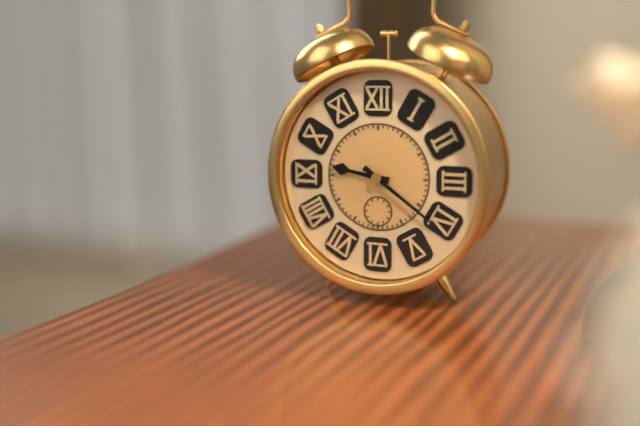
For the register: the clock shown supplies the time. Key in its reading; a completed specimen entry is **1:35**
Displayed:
**9:21**
